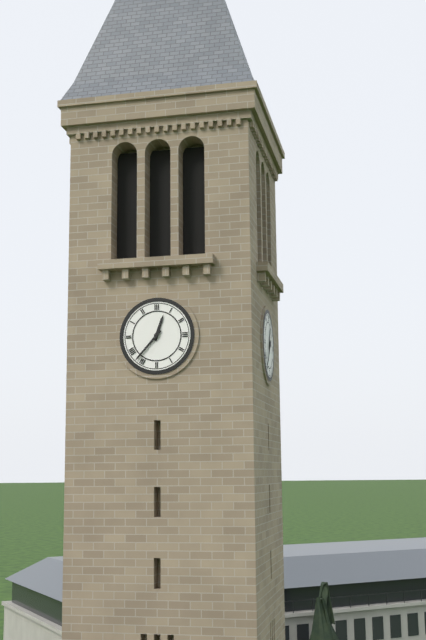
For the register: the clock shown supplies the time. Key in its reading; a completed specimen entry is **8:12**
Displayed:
**12:37**
